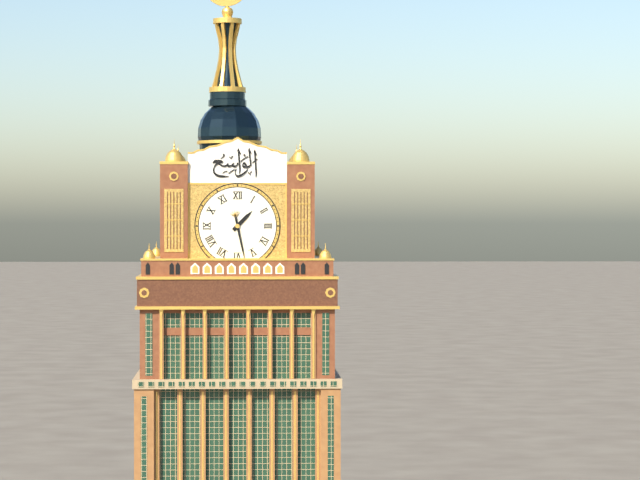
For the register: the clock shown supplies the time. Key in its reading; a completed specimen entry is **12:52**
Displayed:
**1:28**
